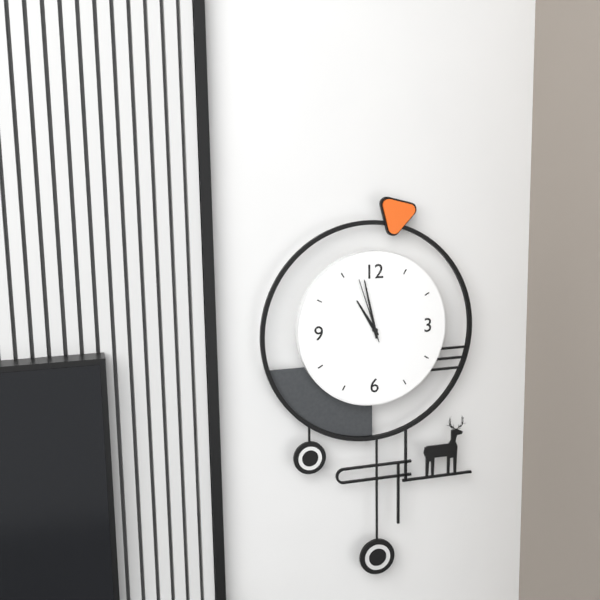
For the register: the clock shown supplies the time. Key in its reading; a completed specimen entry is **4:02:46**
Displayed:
**10:58:57**
